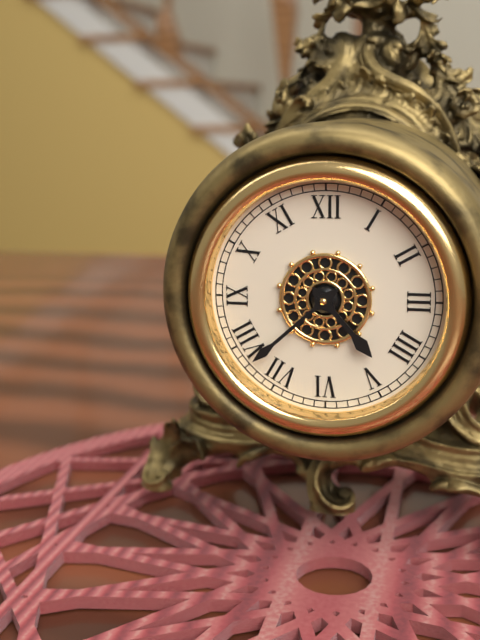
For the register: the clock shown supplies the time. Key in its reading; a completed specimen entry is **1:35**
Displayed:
**4:38**
